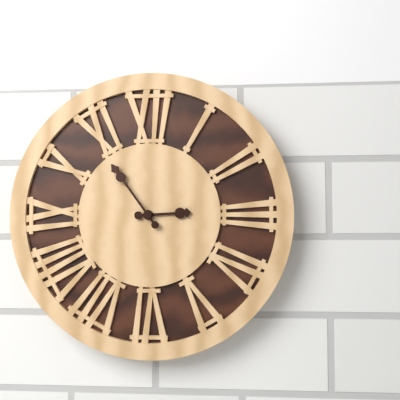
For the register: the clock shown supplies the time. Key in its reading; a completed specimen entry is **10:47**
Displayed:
**2:54**
